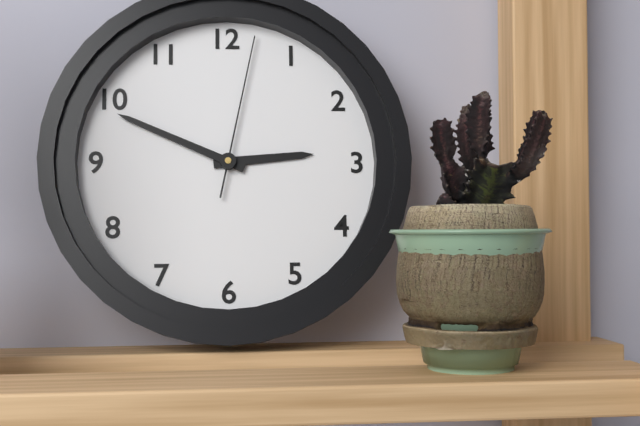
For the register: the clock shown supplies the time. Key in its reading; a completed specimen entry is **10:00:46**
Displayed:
**2:49:02**
